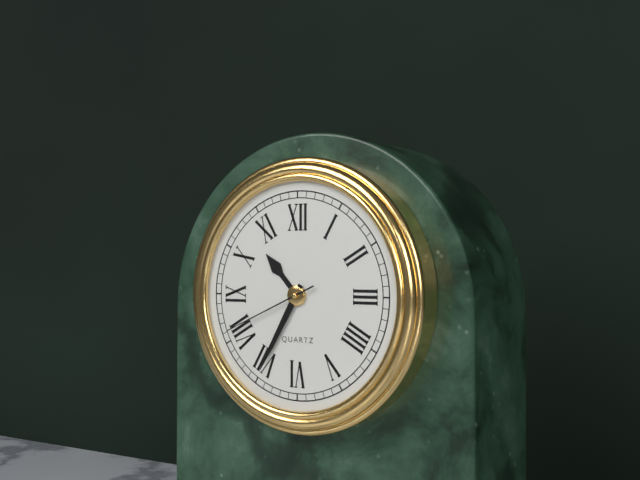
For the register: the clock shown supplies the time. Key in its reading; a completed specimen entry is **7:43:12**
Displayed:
**10:35:41**
